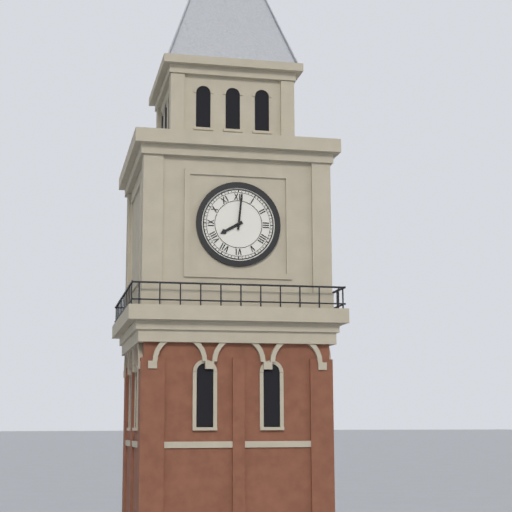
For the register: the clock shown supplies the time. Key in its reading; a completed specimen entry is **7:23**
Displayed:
**8:01**
